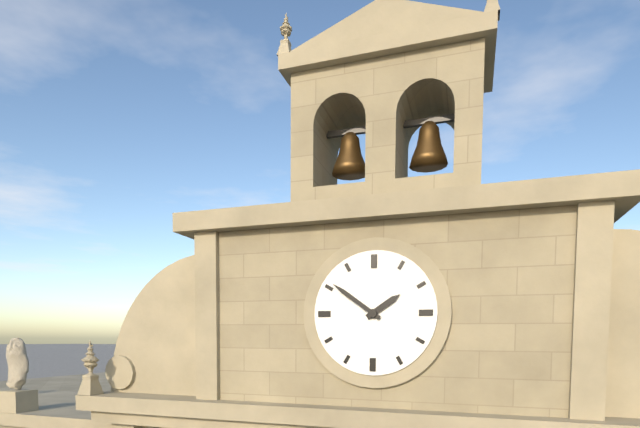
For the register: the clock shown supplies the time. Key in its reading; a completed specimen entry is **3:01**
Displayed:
**1:51**
